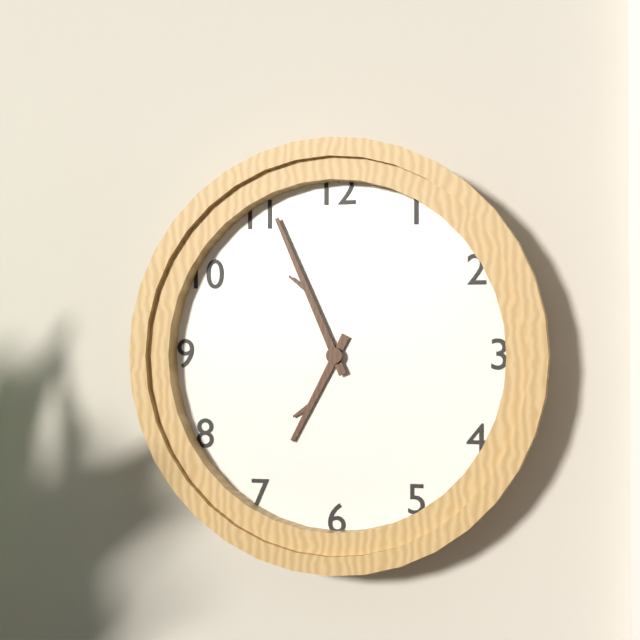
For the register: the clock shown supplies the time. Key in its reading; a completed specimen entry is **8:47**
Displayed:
**6:56**
